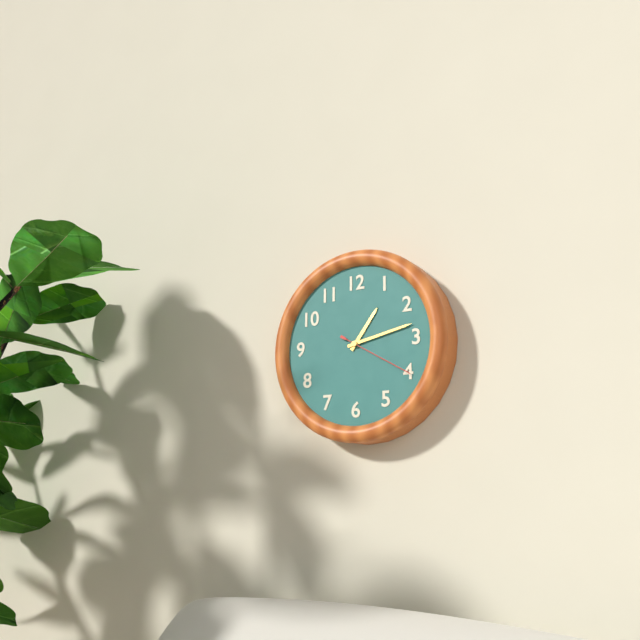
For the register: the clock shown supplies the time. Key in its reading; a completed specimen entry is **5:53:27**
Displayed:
**1:13:20**
